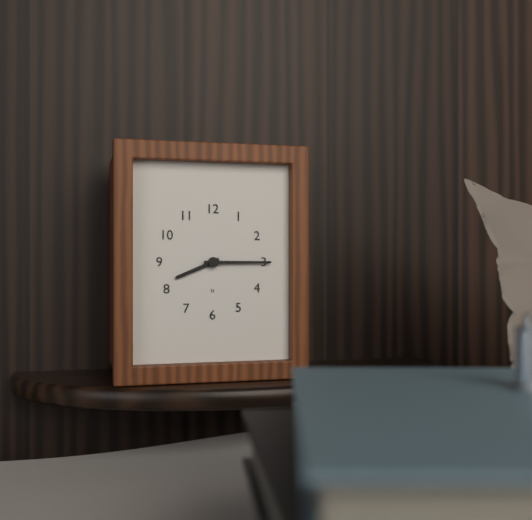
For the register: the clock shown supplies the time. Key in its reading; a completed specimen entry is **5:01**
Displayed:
**8:15**
